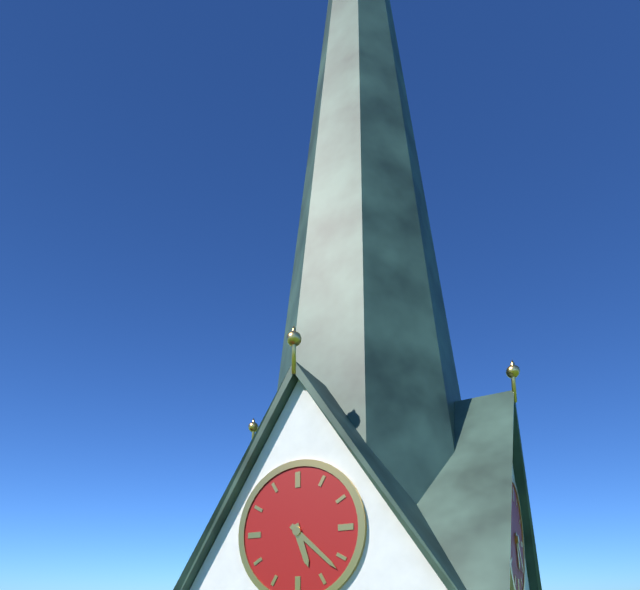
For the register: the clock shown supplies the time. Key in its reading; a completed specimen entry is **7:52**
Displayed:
**5:22**
